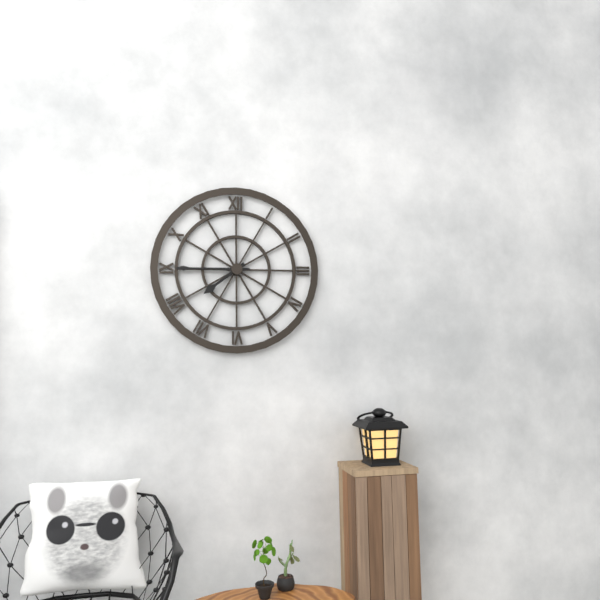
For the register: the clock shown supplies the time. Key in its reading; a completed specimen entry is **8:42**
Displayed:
**7:45**
